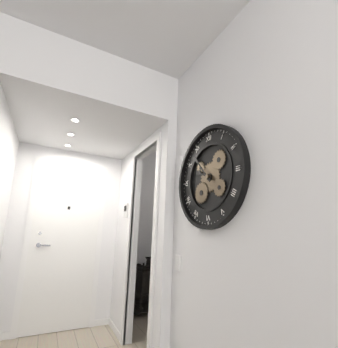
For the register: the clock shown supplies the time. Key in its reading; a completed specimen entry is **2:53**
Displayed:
**9:53**
